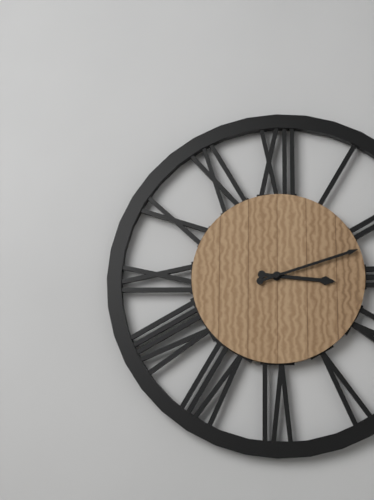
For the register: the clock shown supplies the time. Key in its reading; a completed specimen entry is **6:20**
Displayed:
**3:12**
